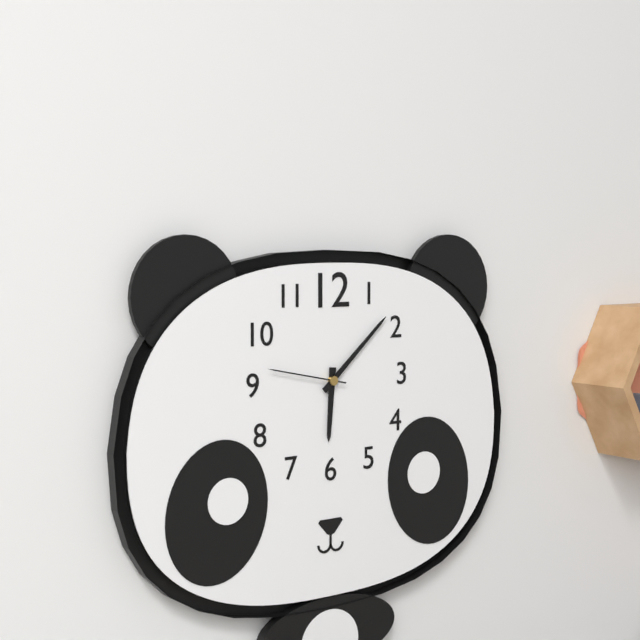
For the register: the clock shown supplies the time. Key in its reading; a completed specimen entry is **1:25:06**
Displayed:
**6:08:47**
